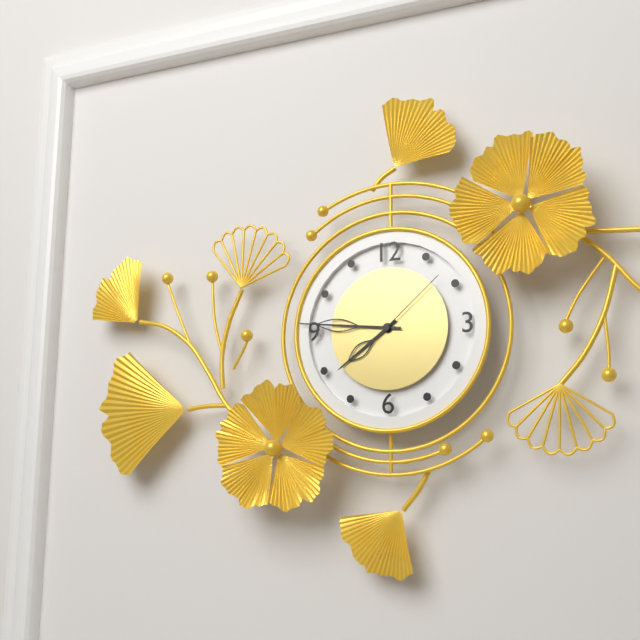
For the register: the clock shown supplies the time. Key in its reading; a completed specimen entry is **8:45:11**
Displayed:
**7:46:08**
